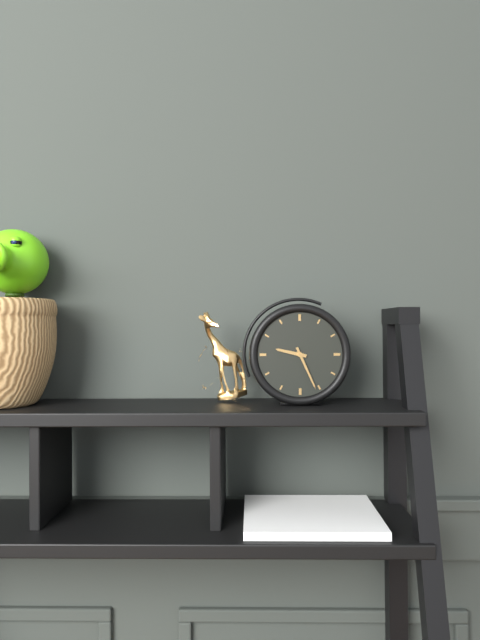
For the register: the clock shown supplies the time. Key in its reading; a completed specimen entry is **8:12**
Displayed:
**9:26**
